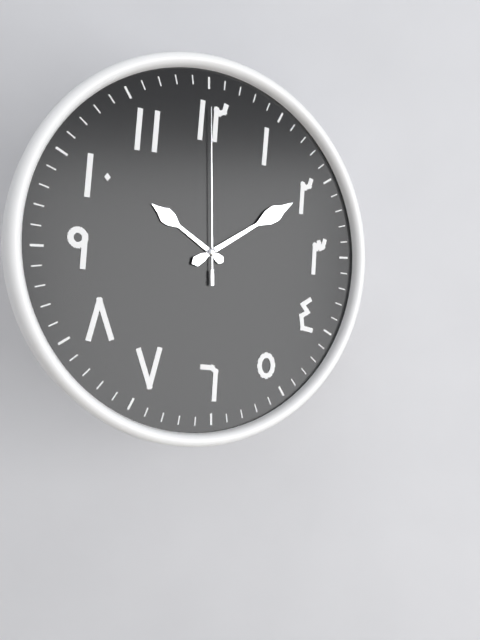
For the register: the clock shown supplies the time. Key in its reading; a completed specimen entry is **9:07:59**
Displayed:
**10:10:00**
